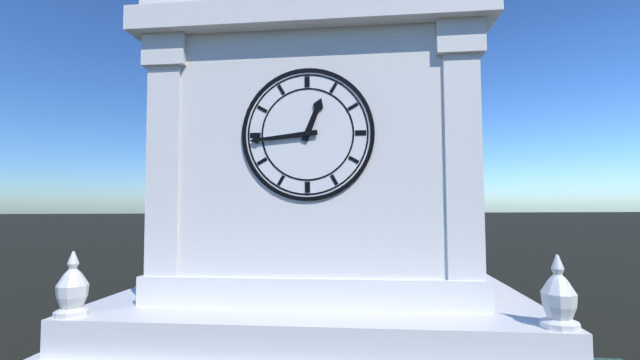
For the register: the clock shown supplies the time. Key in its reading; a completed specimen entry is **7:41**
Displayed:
**12:44**
